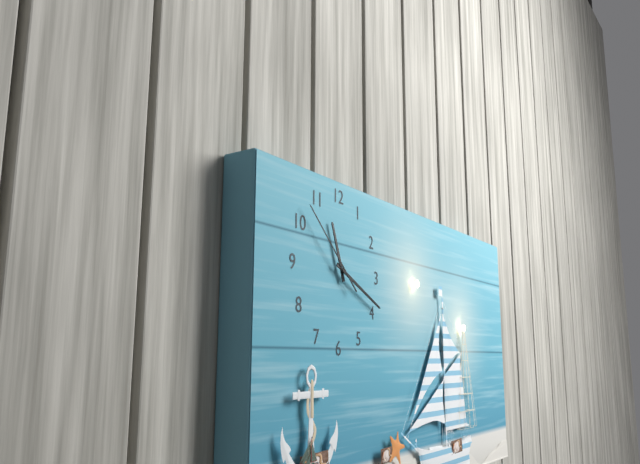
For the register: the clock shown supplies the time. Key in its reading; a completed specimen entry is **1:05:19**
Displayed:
**11:19:52**
